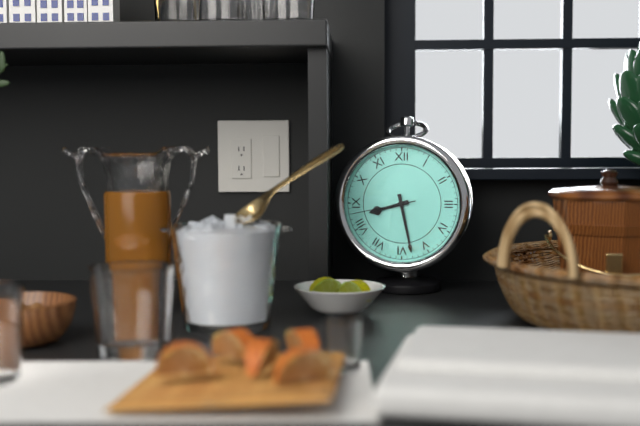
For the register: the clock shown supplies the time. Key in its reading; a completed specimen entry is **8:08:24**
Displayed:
**8:28:43**
